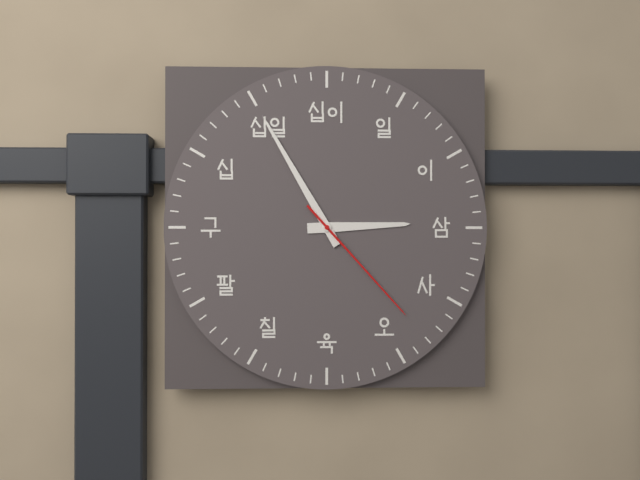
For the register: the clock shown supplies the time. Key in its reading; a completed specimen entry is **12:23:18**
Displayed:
**2:55:23**
